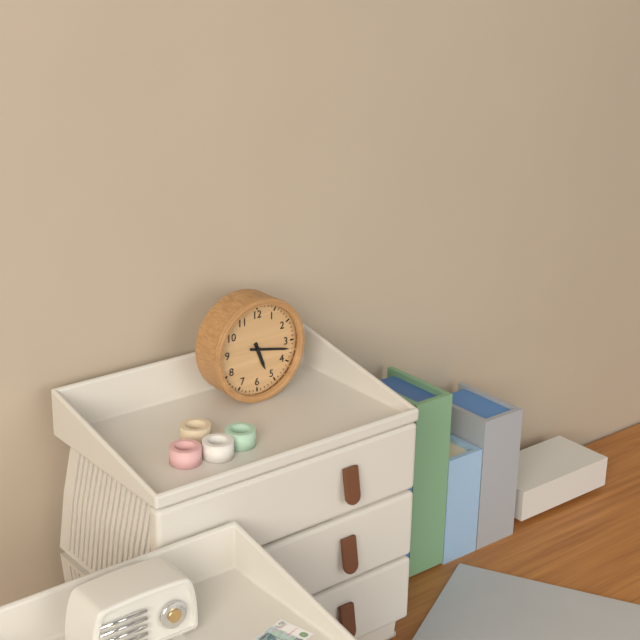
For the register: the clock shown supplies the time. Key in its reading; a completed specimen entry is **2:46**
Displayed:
**5:17**
